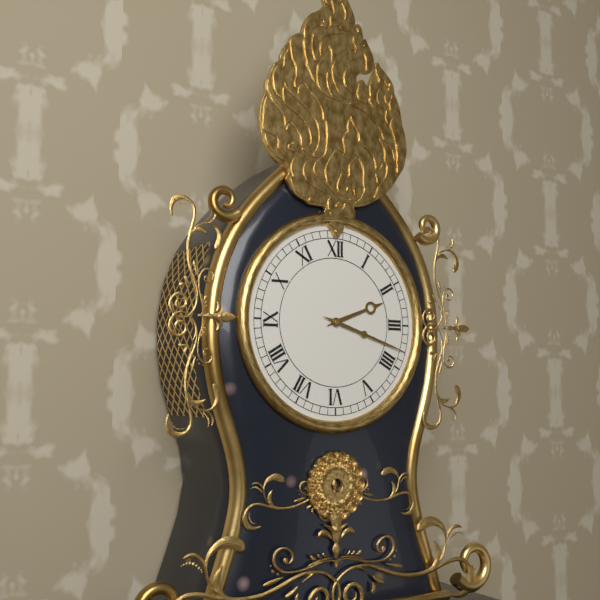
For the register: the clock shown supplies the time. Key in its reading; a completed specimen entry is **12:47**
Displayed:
**2:18**
